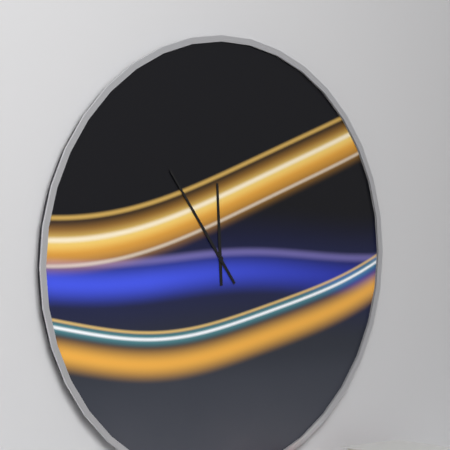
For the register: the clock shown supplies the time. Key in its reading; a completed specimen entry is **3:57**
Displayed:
**11:54**
